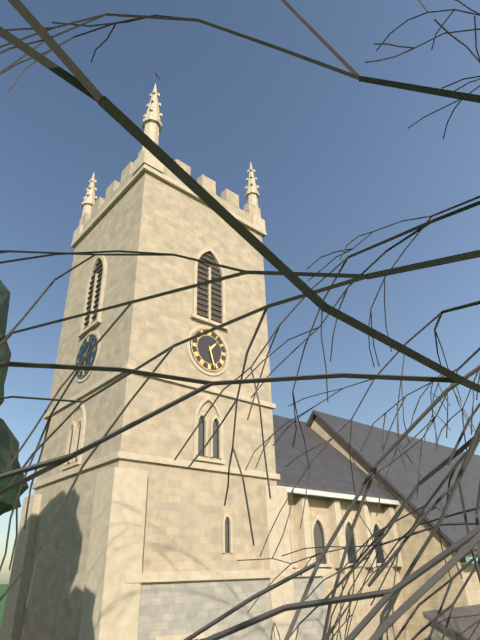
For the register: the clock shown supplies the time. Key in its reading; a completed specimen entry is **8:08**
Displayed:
**1:27**
